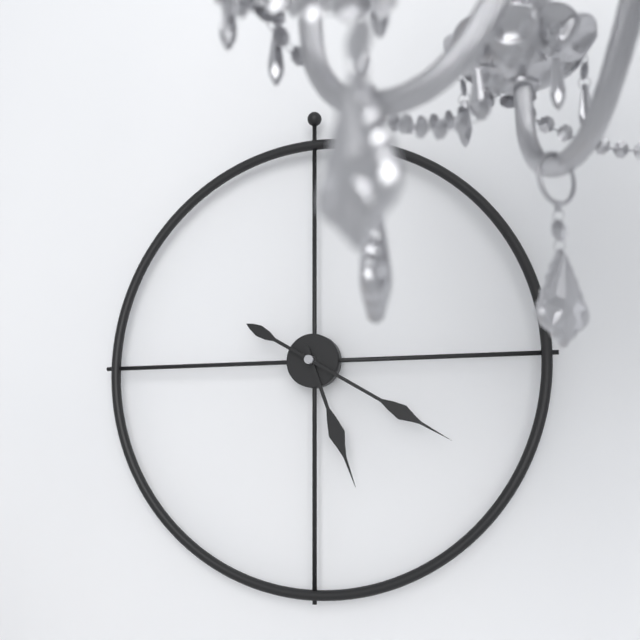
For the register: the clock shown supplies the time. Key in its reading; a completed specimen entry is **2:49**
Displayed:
**5:20**
